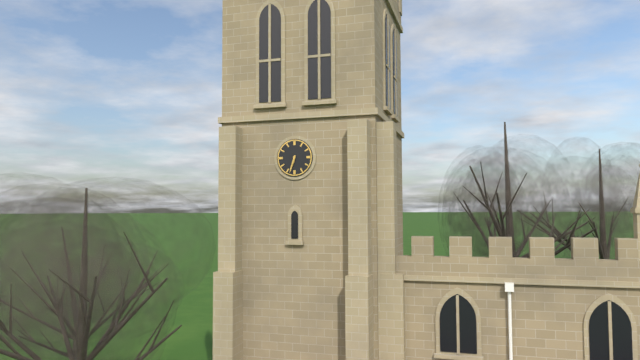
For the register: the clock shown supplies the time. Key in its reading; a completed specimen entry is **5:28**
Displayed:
**6:33**
